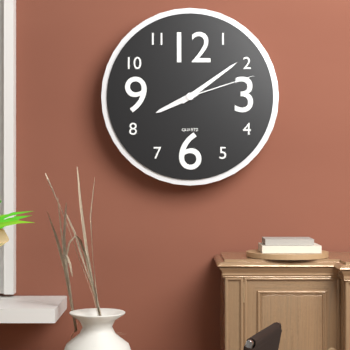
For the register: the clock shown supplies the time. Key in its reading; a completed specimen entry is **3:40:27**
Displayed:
**8:09:12**
